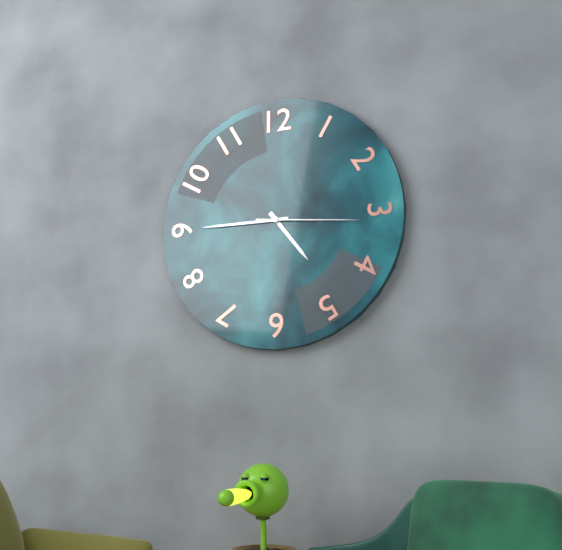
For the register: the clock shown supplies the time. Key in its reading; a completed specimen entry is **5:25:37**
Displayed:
**4:45:16**
